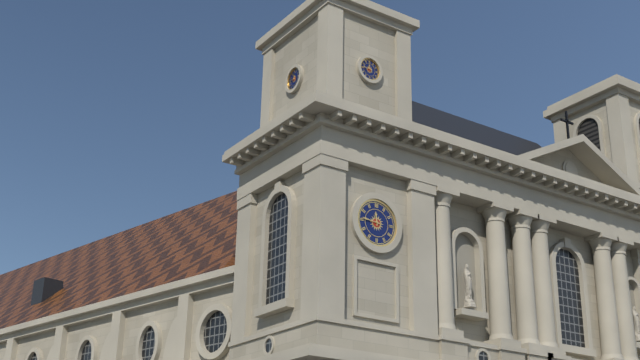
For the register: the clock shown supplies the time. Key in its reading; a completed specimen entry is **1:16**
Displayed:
**11:46**
